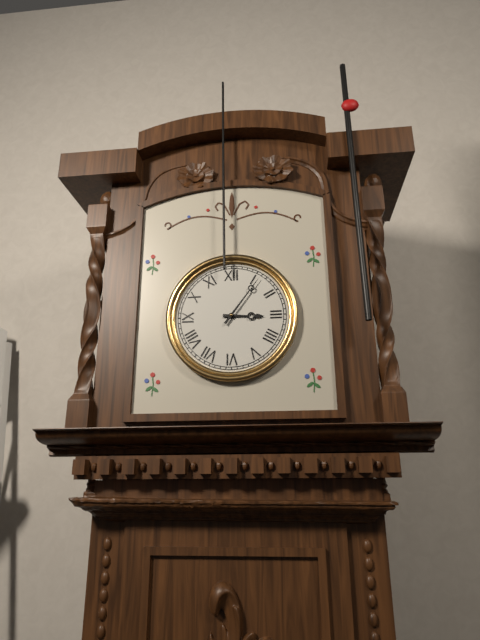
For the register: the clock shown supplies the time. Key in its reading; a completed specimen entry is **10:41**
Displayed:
**3:06**
